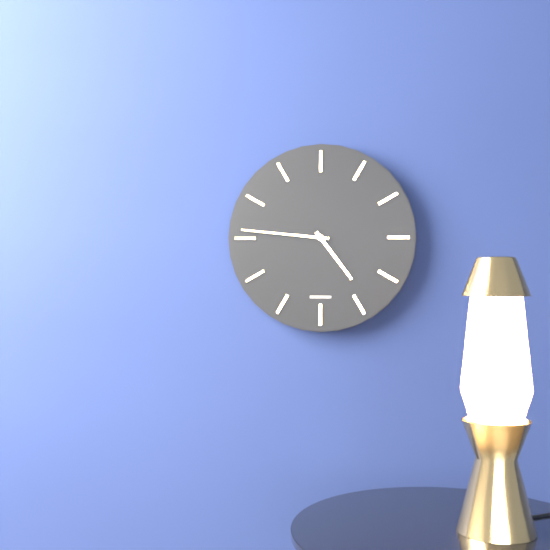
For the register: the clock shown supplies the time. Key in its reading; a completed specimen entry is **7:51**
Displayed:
**4:46**
